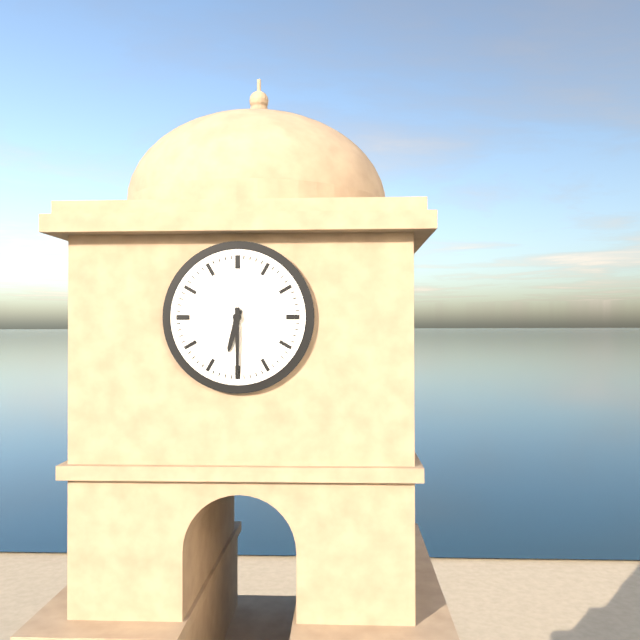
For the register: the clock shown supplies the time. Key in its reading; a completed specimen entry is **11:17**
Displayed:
**6:30**
